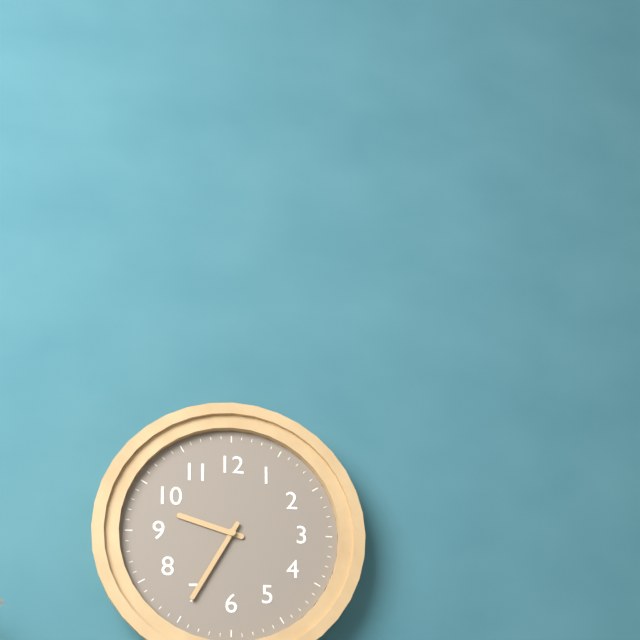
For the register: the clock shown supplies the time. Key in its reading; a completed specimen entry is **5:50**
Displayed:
**9:35**
